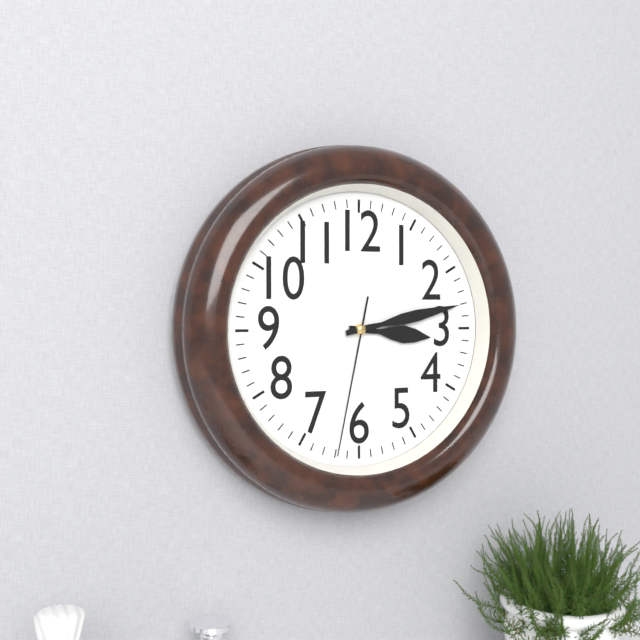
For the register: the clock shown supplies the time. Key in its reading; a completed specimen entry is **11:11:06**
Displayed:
**3:13:32**
